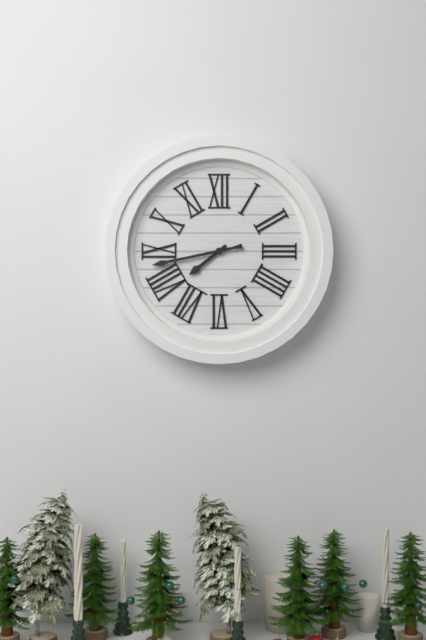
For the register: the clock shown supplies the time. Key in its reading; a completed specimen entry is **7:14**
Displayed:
**7:43**
